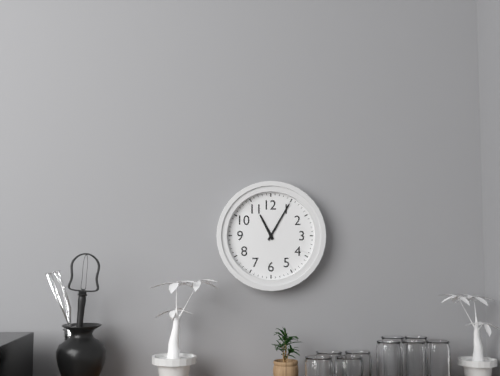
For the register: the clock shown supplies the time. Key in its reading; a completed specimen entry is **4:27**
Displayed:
**11:05**
